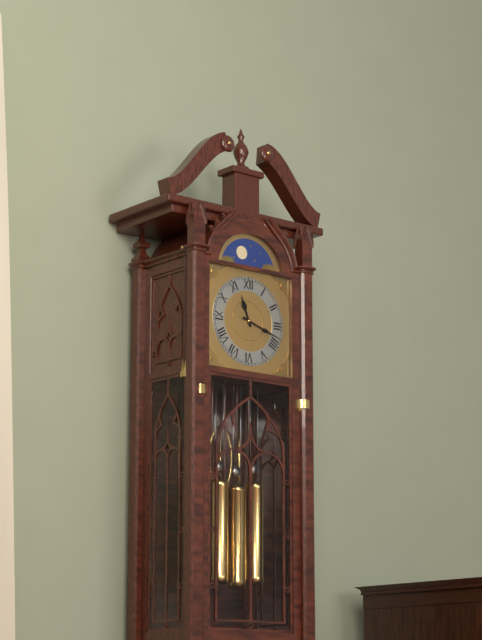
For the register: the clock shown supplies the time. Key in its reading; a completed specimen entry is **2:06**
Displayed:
**11:18**
